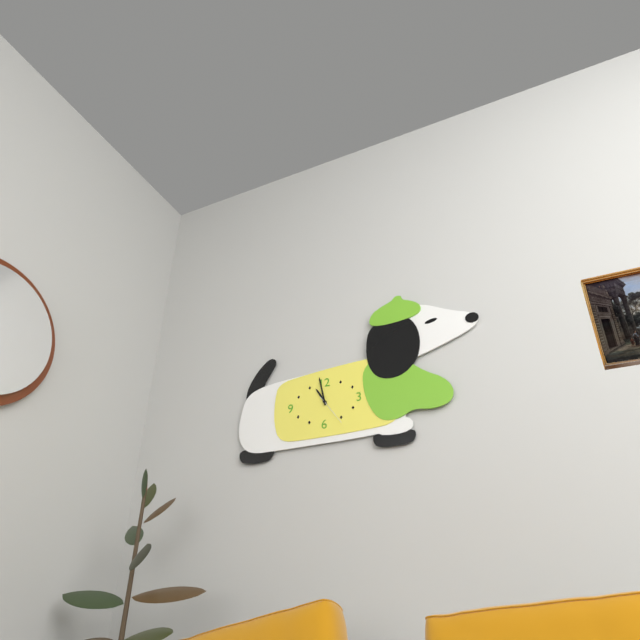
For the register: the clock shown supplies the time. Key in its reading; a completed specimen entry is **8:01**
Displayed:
**10:58**
